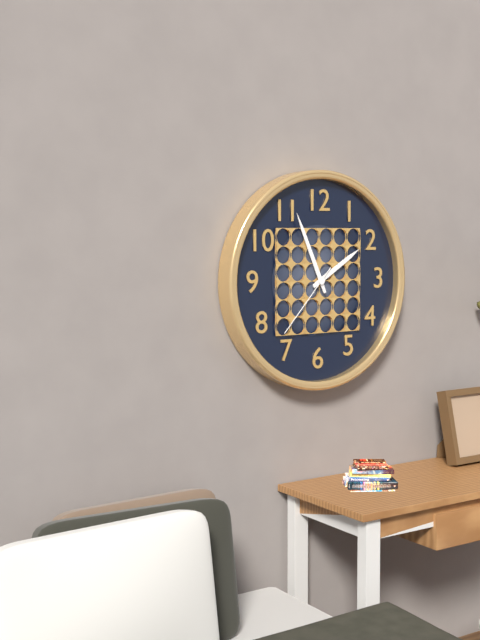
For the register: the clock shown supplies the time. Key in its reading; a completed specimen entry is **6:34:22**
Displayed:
**1:56:37**
